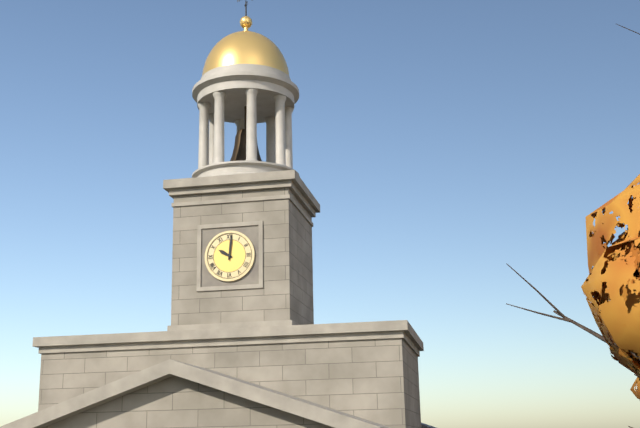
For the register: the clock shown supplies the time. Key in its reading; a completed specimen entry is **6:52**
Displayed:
**10:01**
